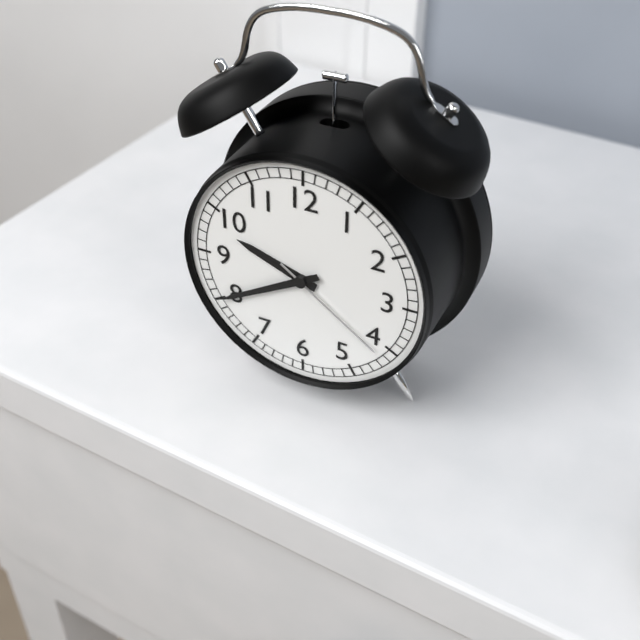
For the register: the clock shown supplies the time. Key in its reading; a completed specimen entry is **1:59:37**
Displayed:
**9:40:21**
